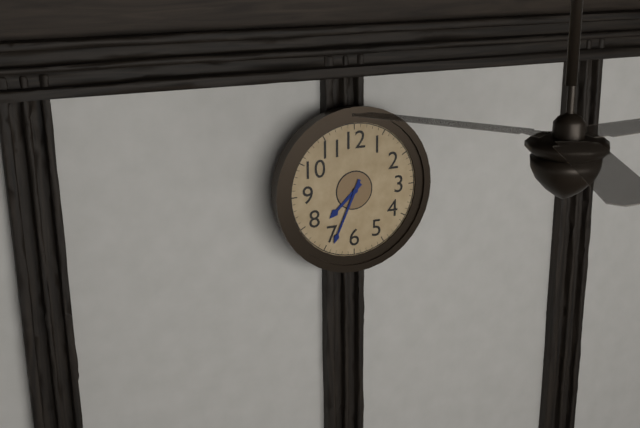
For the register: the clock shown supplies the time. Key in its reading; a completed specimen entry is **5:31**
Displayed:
**7:34**
